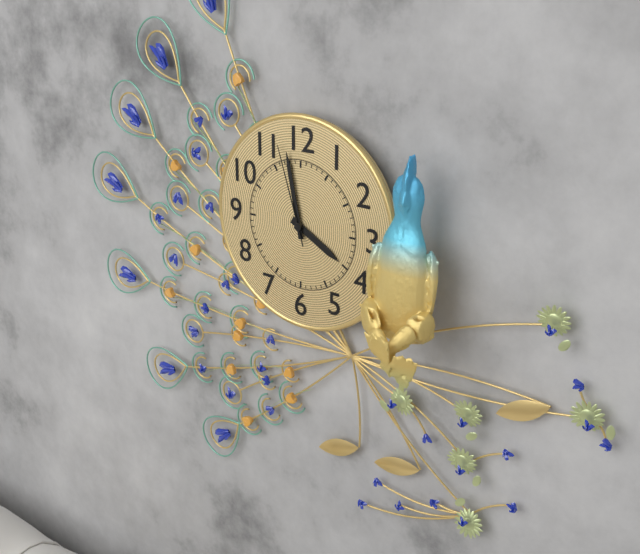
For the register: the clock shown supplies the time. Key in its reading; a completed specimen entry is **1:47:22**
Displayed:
**3:58:57**
